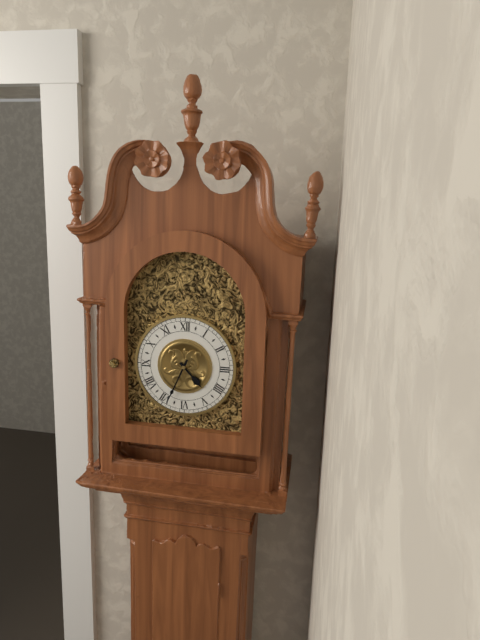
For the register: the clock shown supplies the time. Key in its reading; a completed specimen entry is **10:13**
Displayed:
**4:34**
